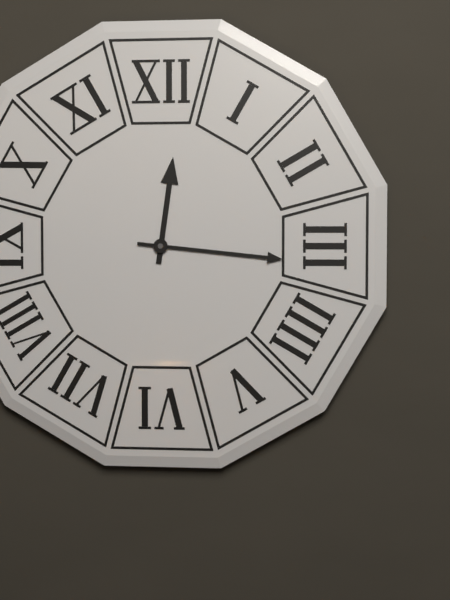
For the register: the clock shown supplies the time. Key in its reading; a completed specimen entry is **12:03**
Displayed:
**12:16**
